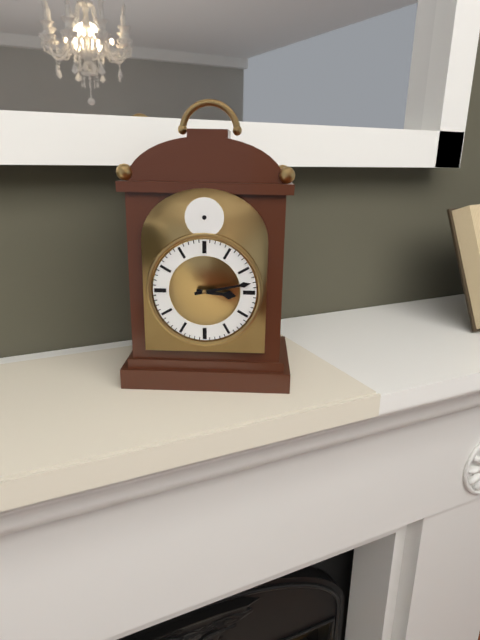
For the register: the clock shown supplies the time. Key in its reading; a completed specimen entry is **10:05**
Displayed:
**3:13**
